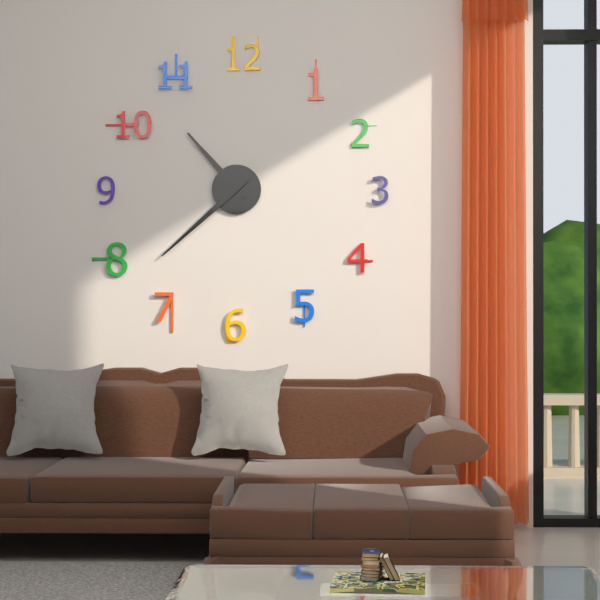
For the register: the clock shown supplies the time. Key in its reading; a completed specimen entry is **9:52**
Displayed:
**10:38**
